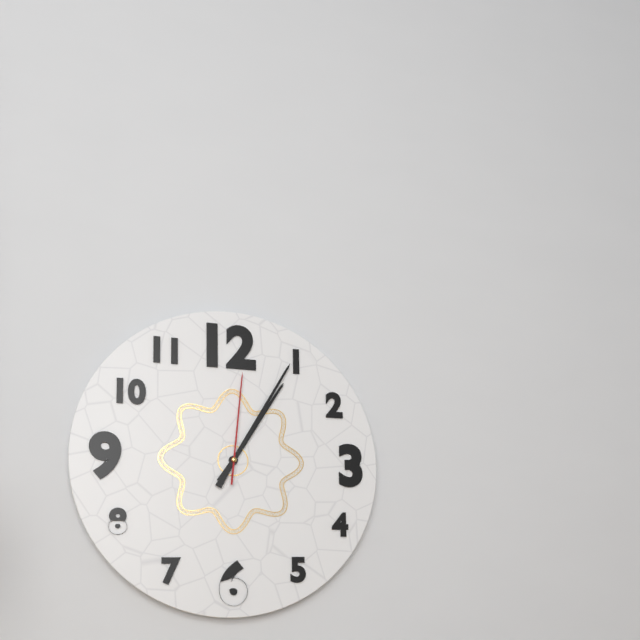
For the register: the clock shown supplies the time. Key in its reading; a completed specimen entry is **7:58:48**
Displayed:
**1:05:01**
